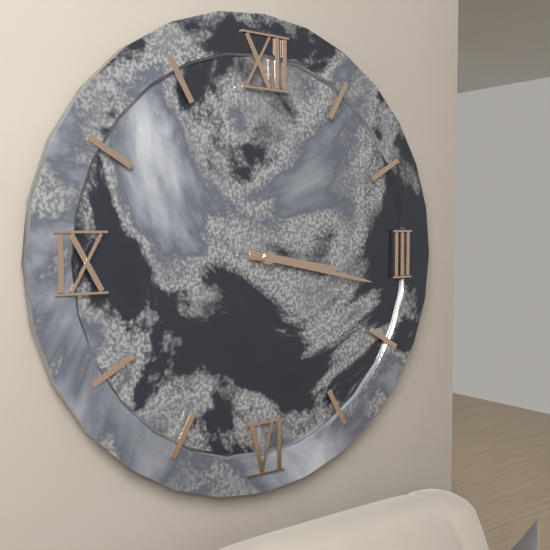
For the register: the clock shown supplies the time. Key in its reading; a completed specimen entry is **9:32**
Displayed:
**3:17**
